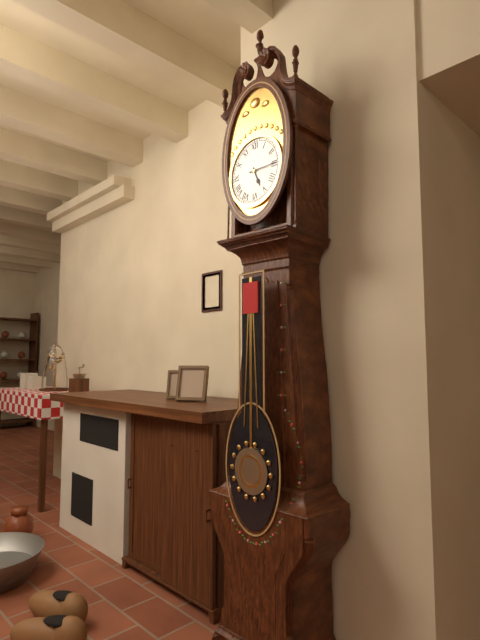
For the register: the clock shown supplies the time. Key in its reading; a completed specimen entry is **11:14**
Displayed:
**5:15**
